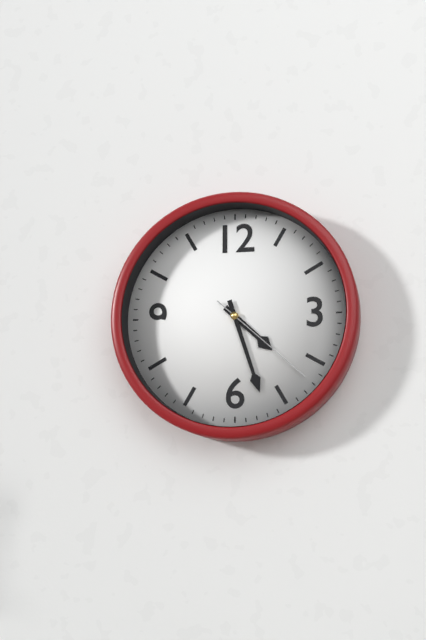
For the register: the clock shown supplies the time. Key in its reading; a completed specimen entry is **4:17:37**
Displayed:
**4:27:22**
